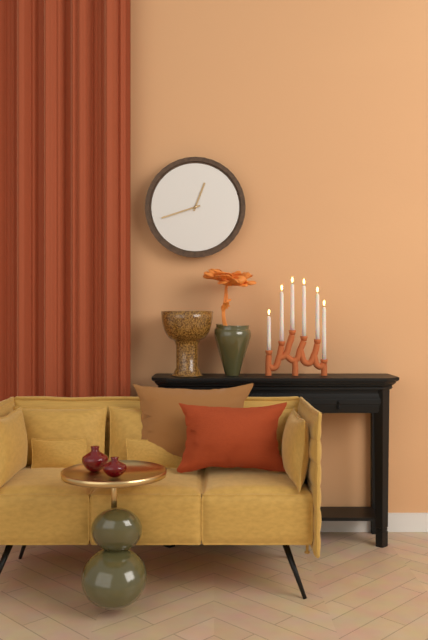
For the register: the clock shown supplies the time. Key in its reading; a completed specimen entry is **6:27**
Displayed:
**12:42**
